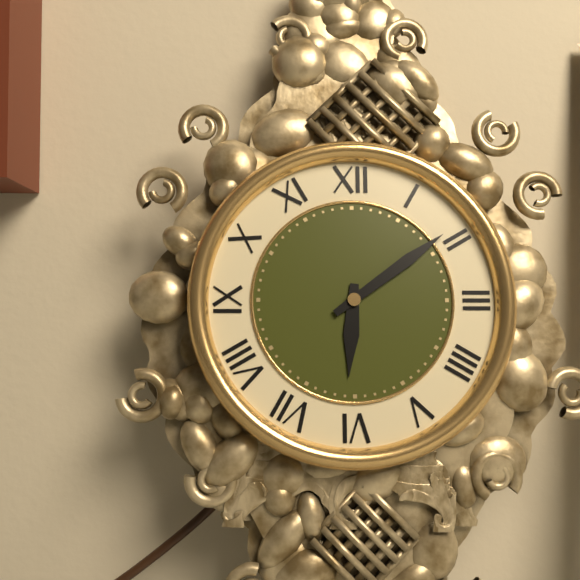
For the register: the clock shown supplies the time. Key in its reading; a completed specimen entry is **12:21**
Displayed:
**6:09**
